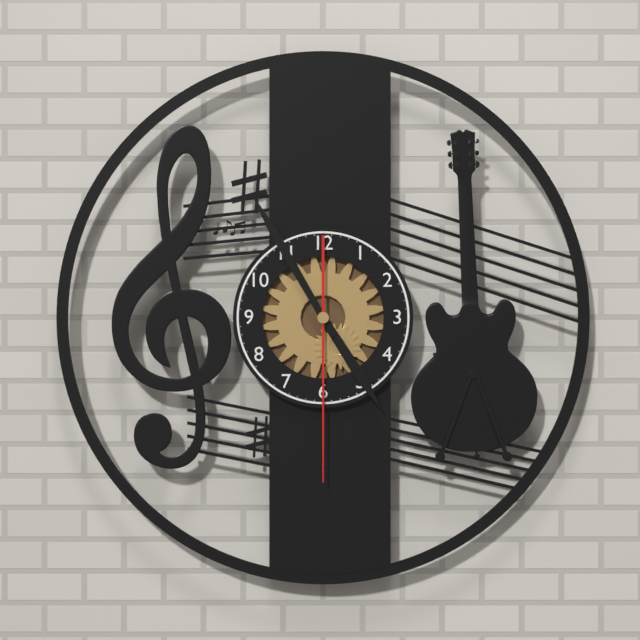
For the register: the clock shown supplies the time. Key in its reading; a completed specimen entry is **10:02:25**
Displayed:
**4:55:30**
